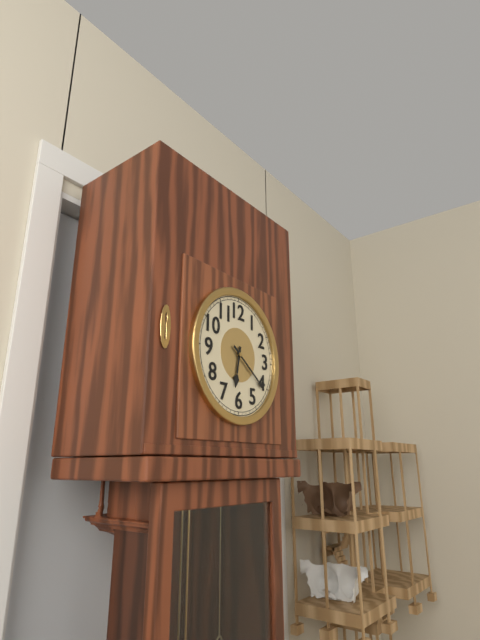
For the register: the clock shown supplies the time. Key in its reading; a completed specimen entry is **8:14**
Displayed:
**6:21**
